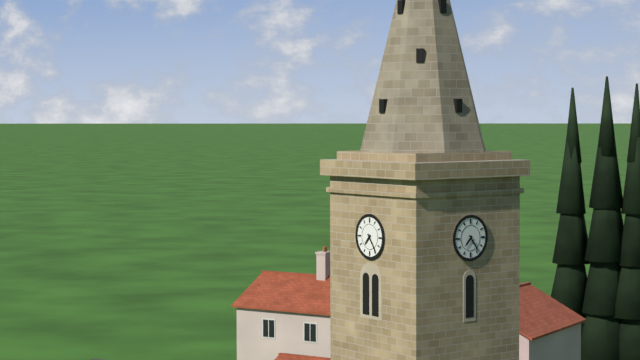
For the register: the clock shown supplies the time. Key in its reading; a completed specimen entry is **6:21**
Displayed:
**7:24**
